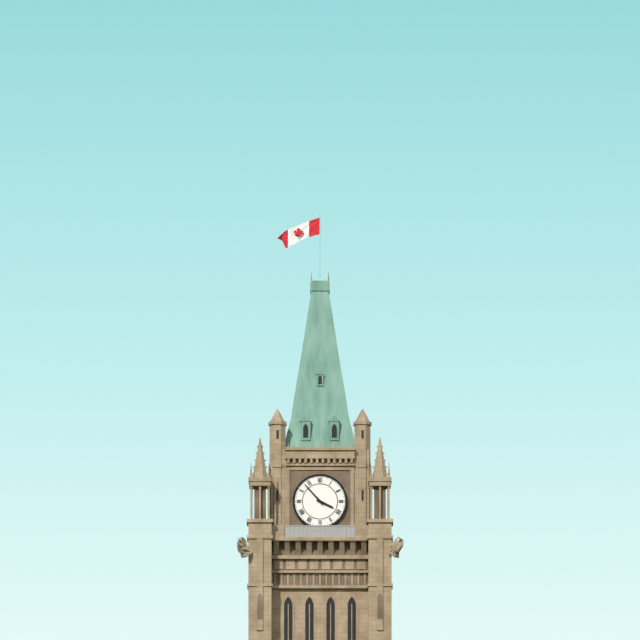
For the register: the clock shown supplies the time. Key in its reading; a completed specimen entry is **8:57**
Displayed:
**3:53**
